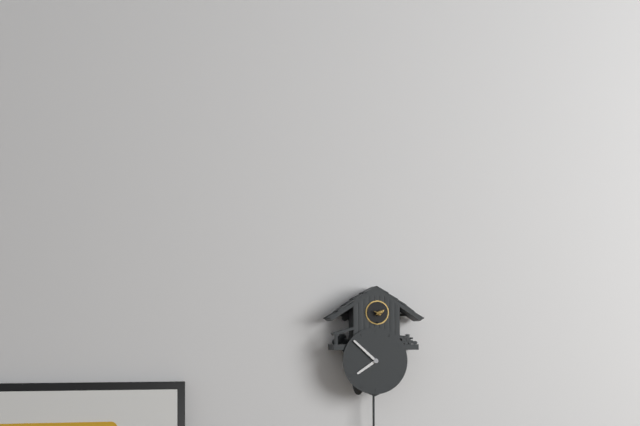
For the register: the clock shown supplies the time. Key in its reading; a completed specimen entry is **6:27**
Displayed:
**7:52**
